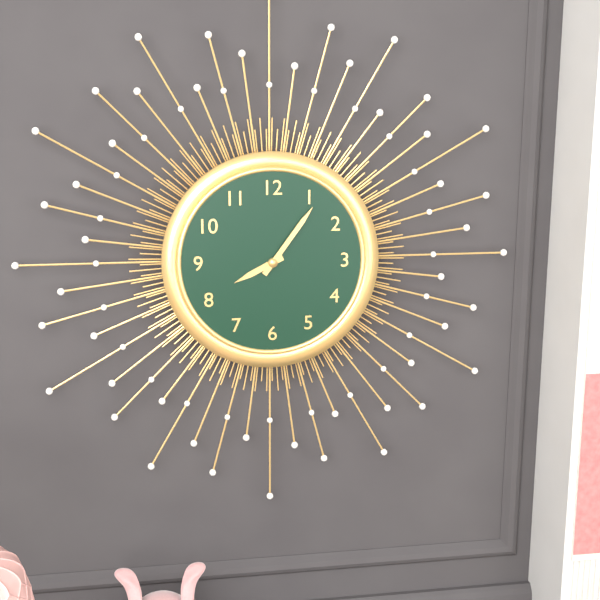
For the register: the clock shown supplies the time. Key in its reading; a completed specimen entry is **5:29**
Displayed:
**8:06**
